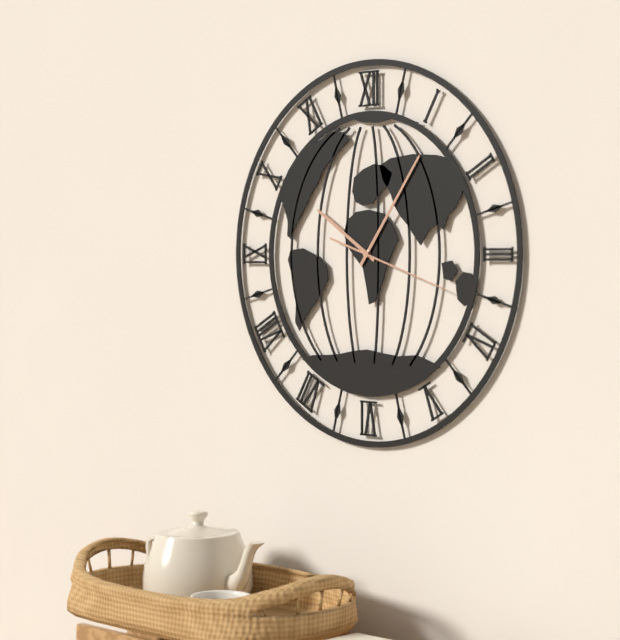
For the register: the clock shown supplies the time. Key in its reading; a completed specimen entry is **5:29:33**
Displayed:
**10:06:18**
